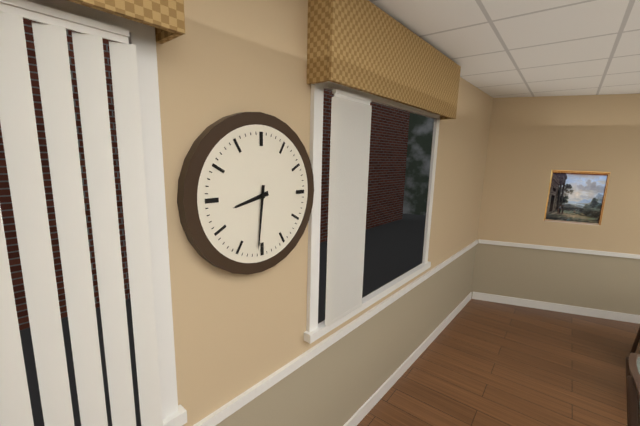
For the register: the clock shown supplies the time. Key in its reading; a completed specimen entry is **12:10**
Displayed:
**8:31**
